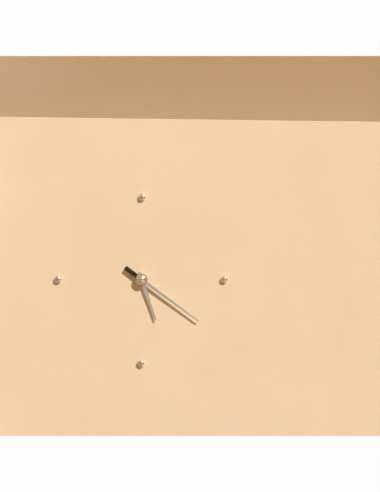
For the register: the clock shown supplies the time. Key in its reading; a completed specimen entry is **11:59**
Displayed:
**5:21**
